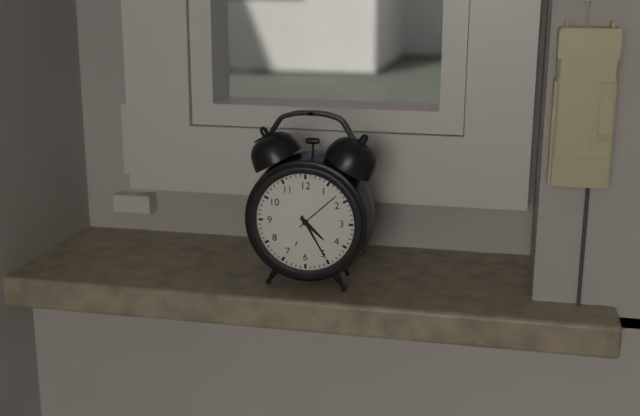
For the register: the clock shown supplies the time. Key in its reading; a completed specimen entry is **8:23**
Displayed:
**4:25**
